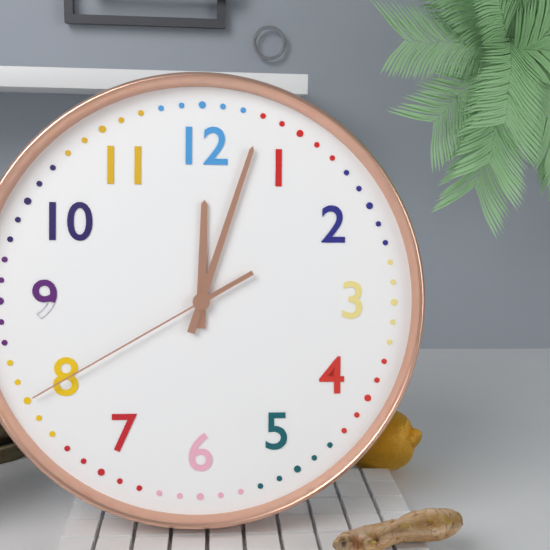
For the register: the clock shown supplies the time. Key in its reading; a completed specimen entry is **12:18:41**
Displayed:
**12:03:40**
